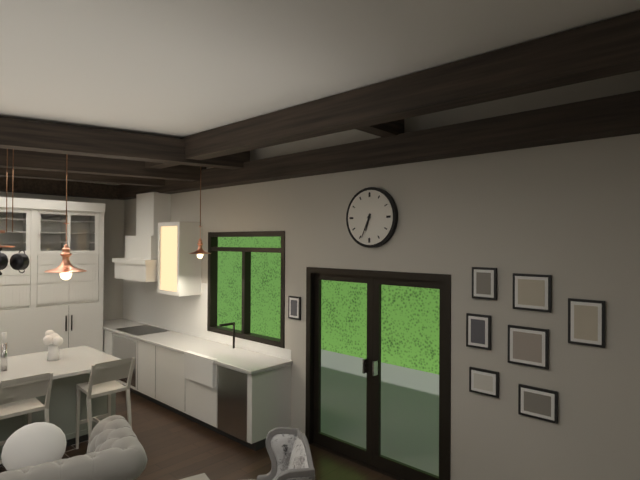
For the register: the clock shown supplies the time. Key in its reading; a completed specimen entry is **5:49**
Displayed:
**6:34**
